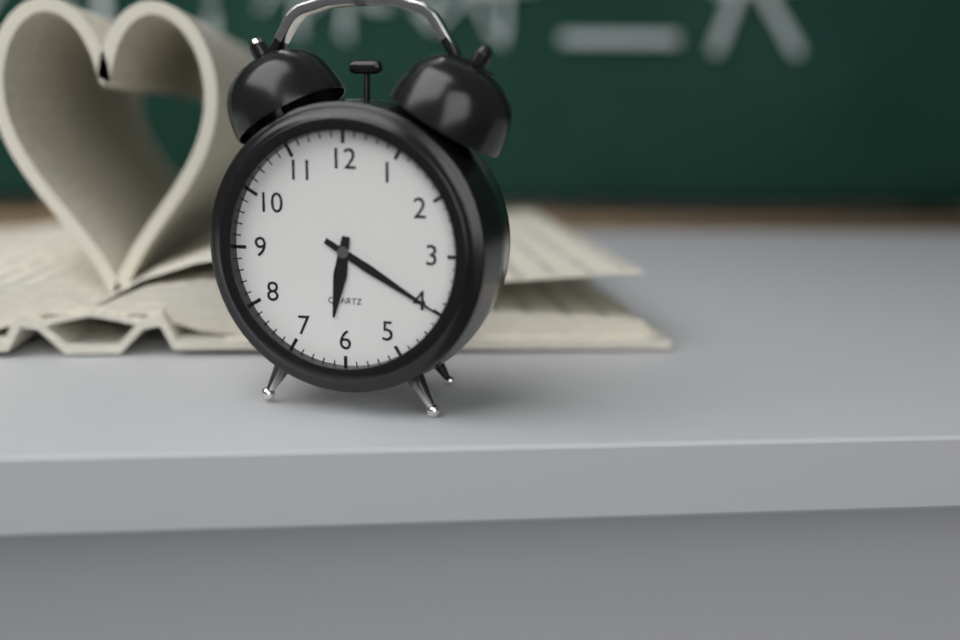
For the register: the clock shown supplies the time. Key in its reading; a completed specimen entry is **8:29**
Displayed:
**6:20**
